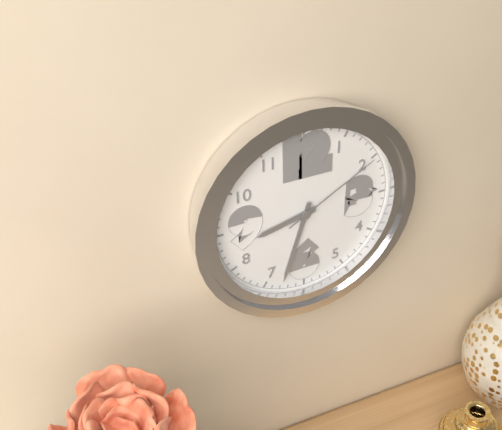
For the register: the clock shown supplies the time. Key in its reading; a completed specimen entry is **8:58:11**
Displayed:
**8:33:10**
